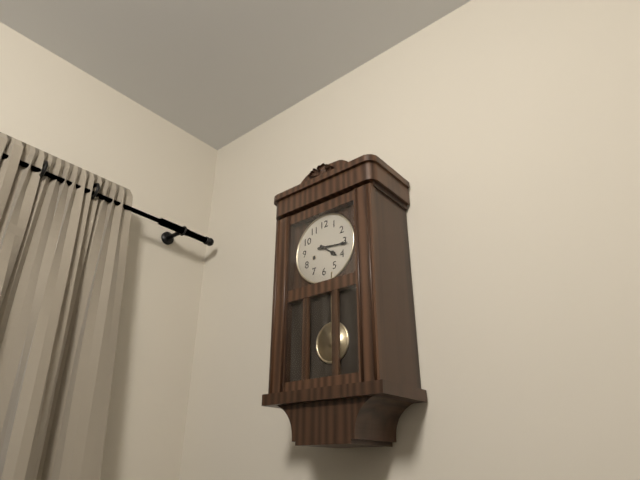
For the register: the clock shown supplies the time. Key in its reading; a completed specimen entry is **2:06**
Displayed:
**4:16**
